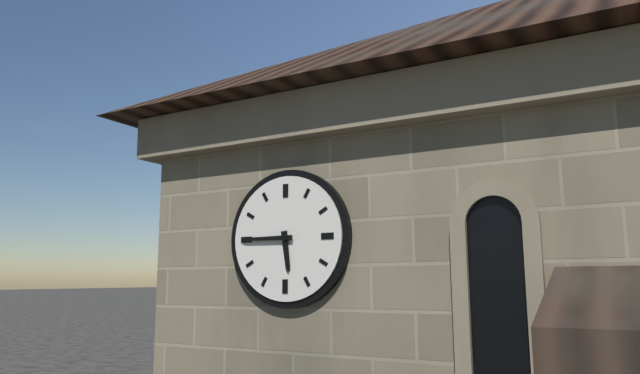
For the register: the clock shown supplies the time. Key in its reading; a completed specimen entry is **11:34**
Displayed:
**5:45**
